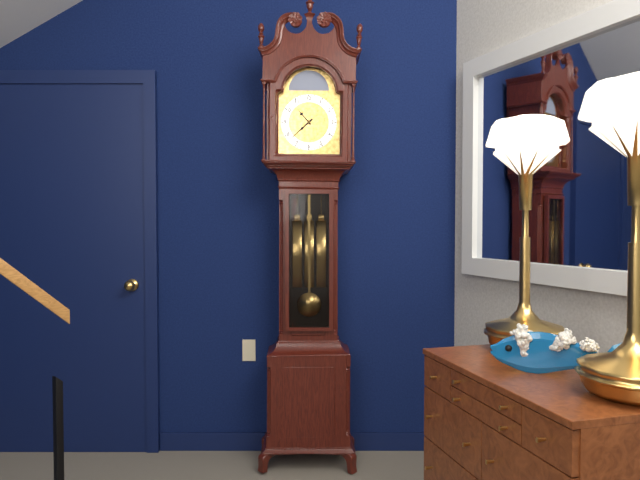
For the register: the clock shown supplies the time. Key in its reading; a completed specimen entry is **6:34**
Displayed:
**10:38**
